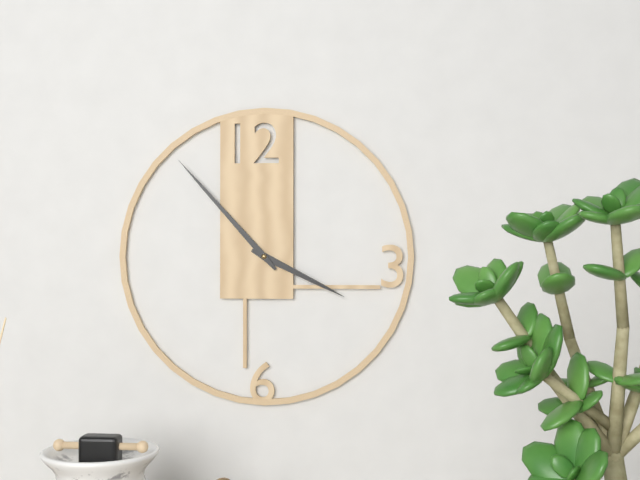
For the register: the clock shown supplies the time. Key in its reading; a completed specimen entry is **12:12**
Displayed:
**3:53**
